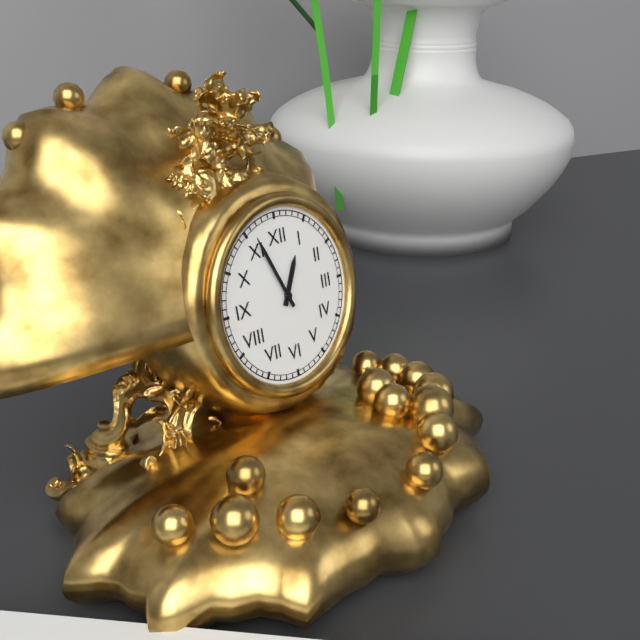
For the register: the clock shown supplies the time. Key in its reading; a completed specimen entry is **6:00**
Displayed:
**12:56**
